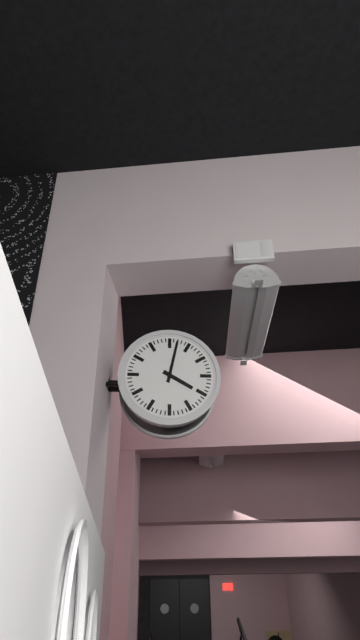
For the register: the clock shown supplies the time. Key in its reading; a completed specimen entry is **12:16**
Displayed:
**4:02**
